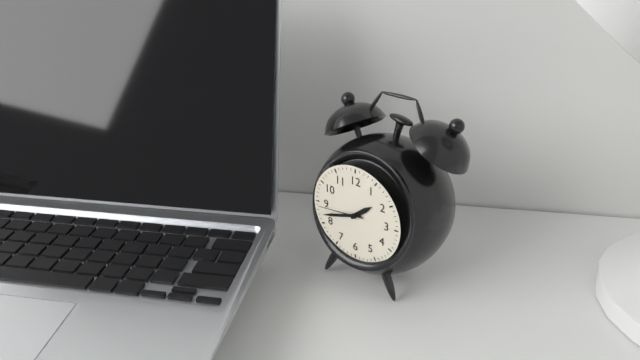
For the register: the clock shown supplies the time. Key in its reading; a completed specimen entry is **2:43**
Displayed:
**1:42**
